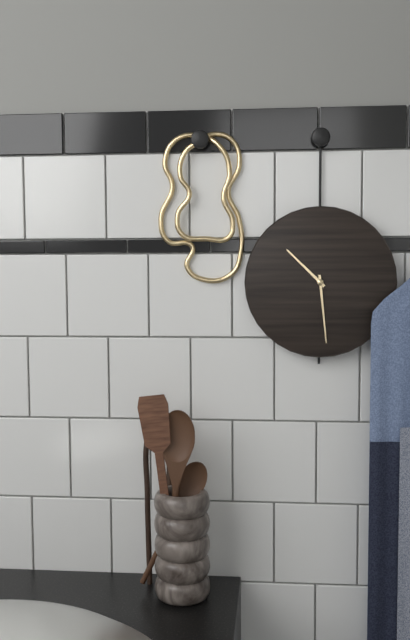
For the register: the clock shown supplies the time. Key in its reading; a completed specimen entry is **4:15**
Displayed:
**10:29**
